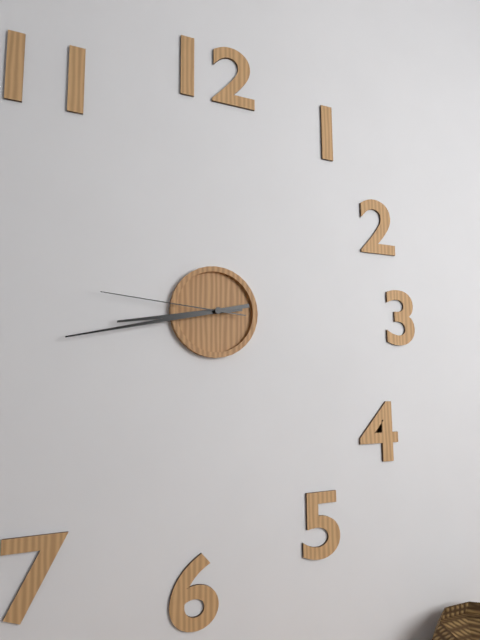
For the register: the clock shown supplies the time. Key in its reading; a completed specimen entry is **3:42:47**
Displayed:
**8:43:46**
